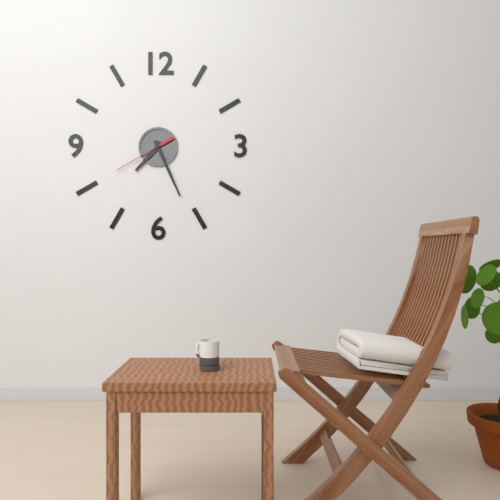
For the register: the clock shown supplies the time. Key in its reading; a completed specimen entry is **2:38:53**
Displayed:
**7:26:40**
